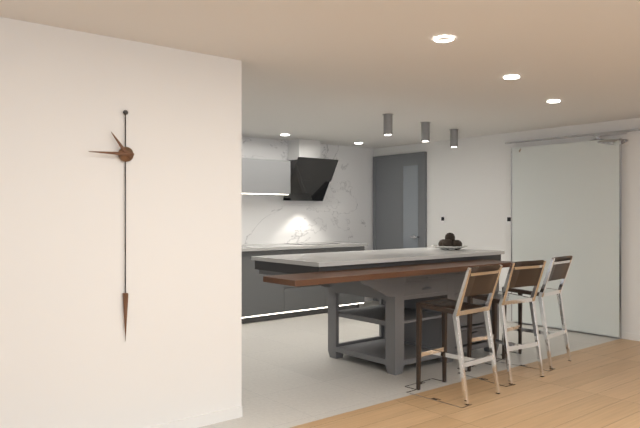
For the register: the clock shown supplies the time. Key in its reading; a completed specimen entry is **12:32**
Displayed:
**10:45**
